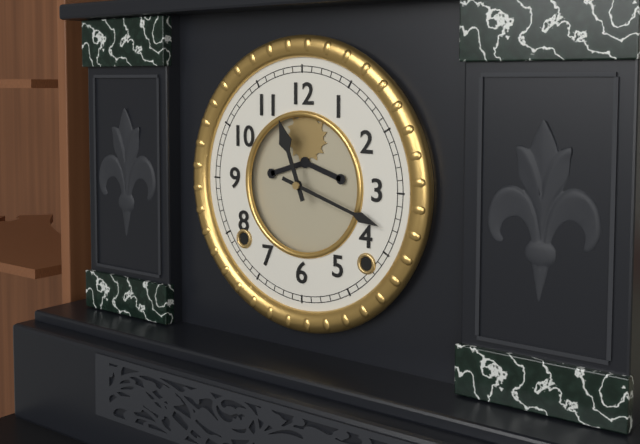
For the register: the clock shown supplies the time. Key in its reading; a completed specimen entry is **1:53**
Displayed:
**11:18**
